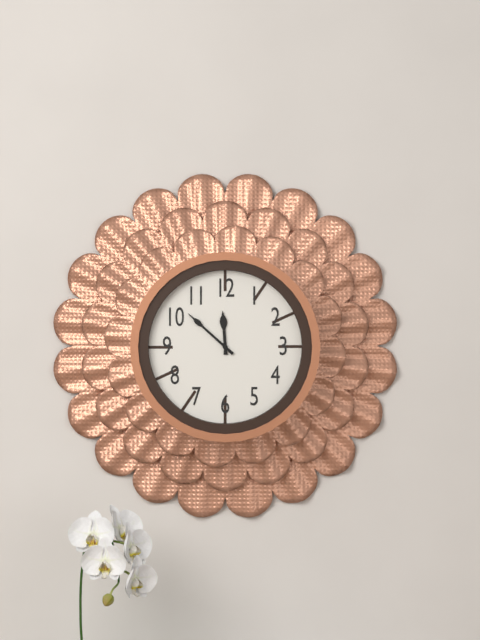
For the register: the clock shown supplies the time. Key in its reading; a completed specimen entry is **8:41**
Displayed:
**11:52**
